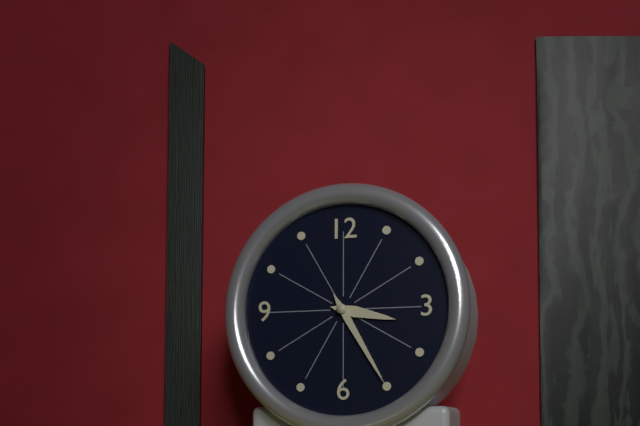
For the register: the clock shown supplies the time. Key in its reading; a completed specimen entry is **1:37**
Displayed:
**3:25**
